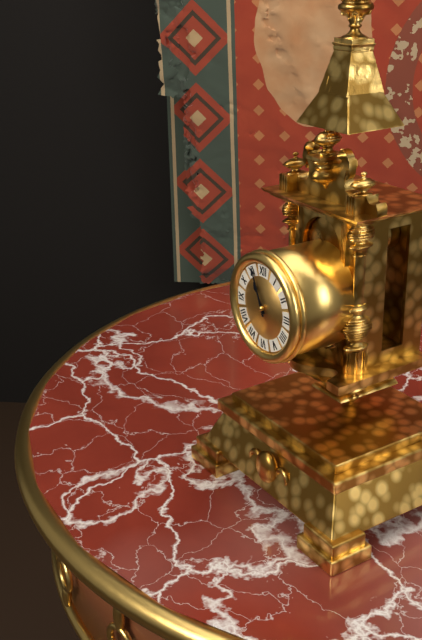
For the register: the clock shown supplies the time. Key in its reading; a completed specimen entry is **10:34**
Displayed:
**10:56**
